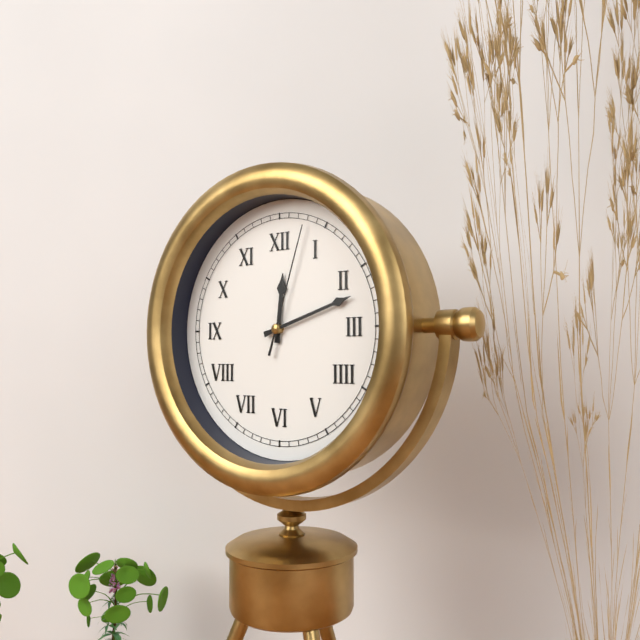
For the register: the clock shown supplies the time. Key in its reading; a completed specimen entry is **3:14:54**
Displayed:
**12:12:03**
